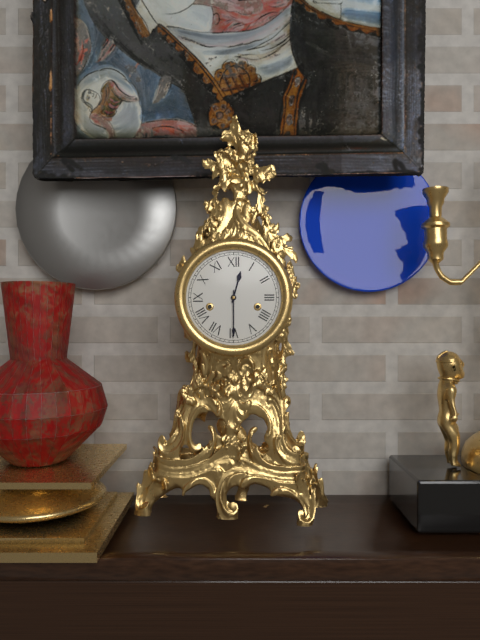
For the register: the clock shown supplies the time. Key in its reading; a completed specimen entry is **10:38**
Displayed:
**12:30**
